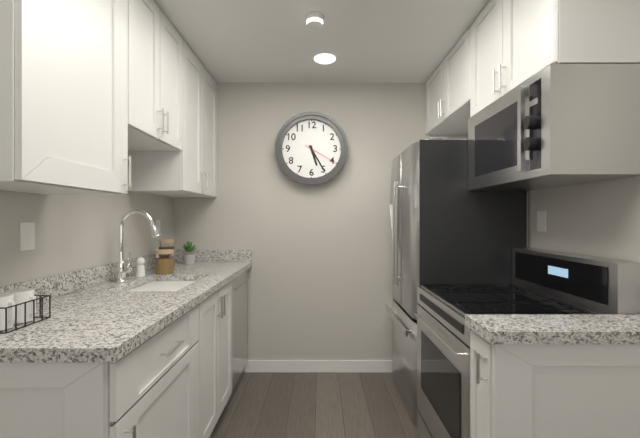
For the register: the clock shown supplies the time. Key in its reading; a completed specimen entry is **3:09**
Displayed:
**5:25**
